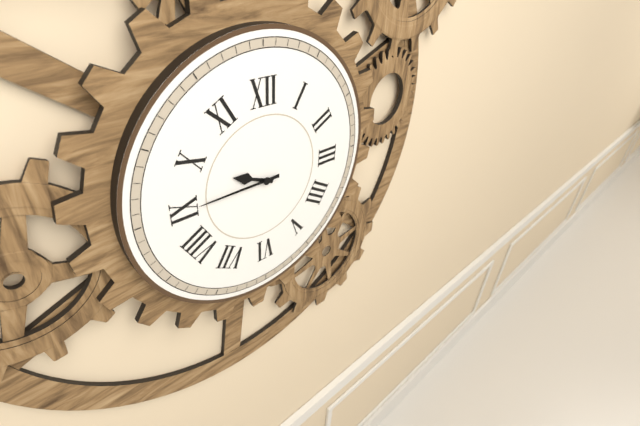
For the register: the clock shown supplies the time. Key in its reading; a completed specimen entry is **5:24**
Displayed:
**9:45**
